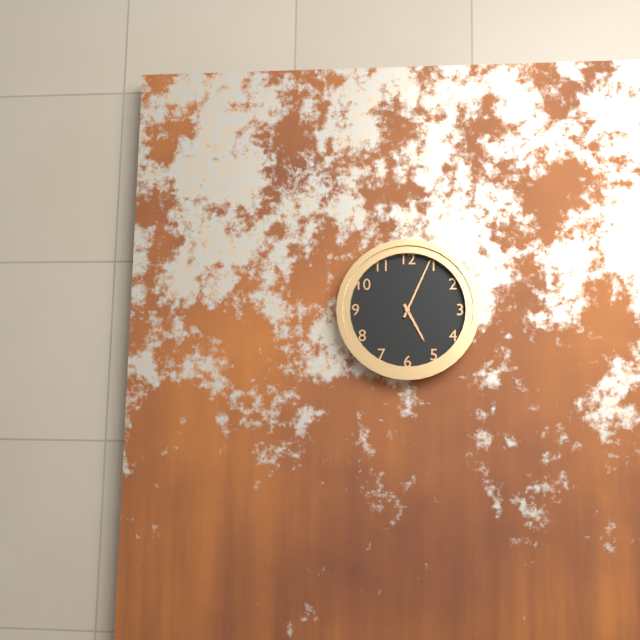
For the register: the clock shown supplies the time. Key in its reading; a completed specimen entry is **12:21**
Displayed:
**5:04**
